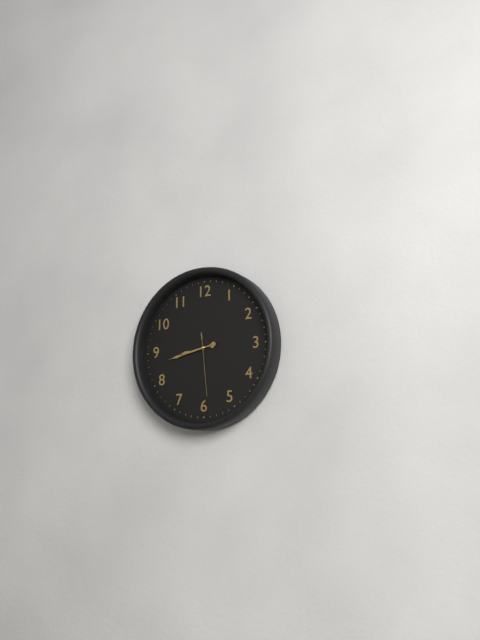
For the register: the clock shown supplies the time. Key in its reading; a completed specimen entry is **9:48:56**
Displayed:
**8:43:29**
